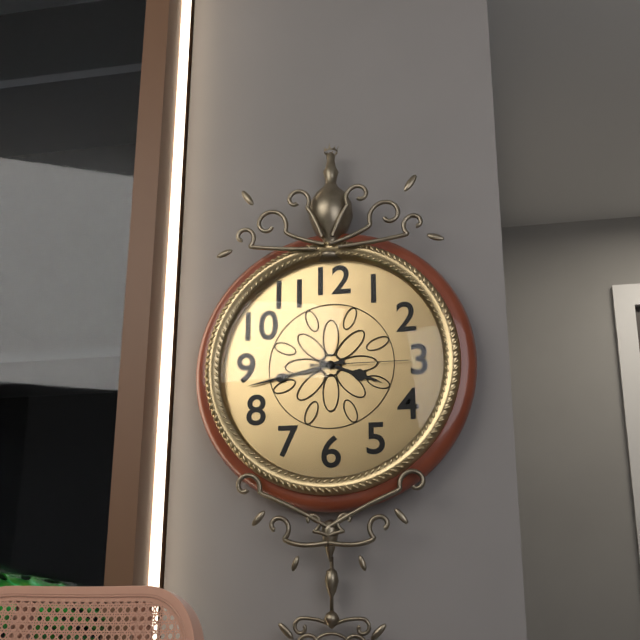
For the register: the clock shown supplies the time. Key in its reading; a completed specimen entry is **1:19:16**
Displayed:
**3:43:15**
